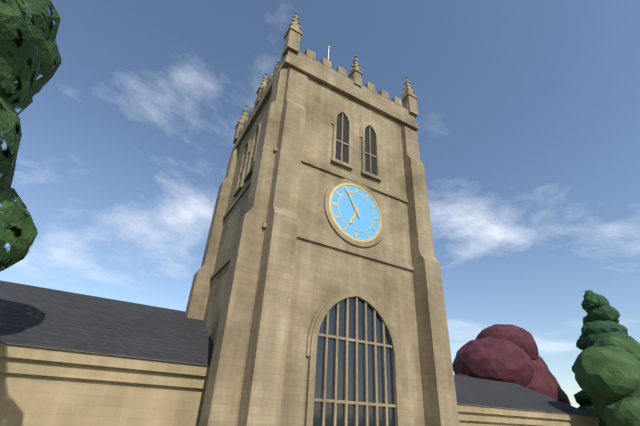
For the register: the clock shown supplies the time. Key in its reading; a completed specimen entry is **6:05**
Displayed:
**6:55**
